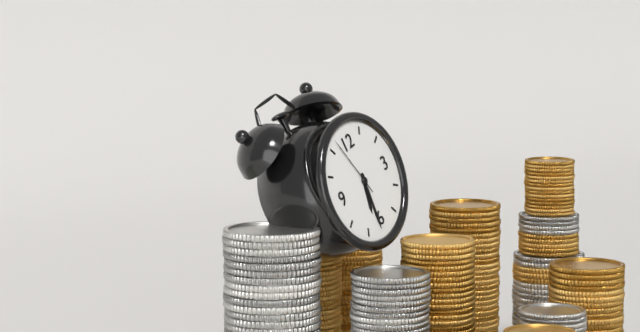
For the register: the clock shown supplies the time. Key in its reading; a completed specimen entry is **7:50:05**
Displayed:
**6:31:57**
